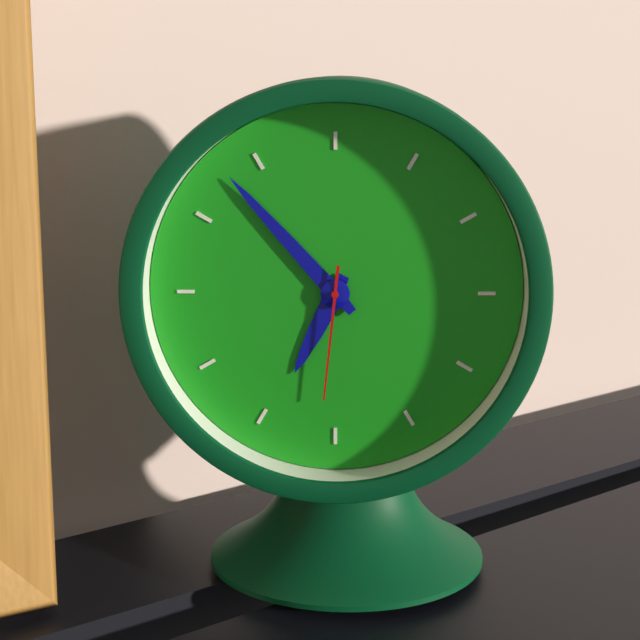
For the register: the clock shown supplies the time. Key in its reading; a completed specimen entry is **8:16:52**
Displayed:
**6:53:31**
